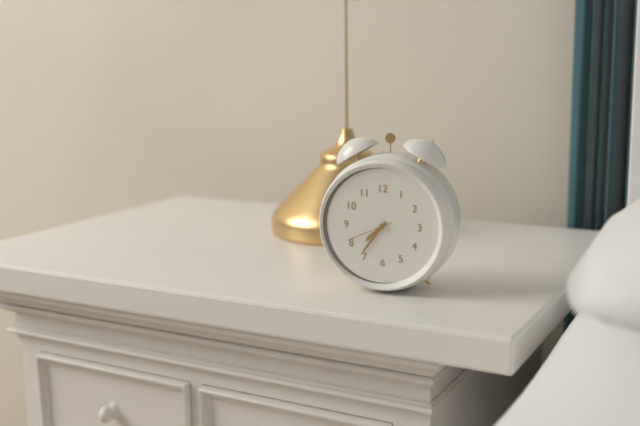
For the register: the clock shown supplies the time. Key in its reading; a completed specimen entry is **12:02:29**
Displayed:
**7:36:41**
